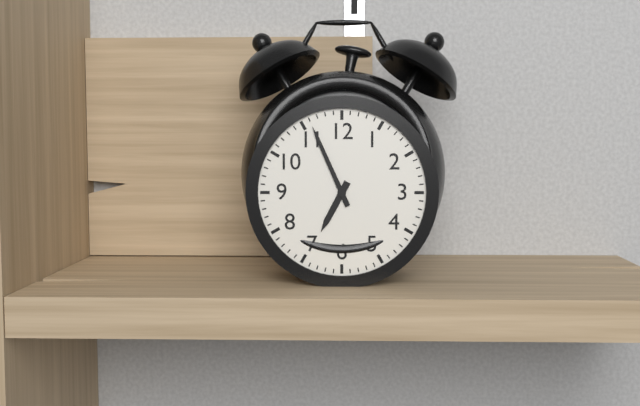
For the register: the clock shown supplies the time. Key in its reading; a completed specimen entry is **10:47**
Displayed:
**6:56**
